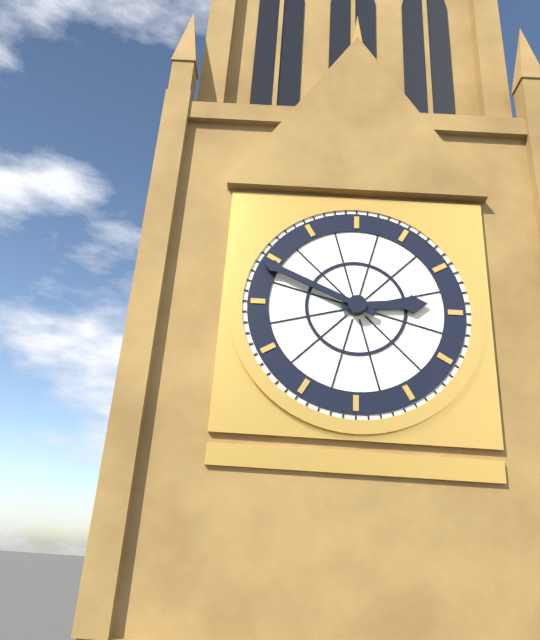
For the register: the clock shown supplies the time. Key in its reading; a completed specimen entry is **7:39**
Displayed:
**2:49**
